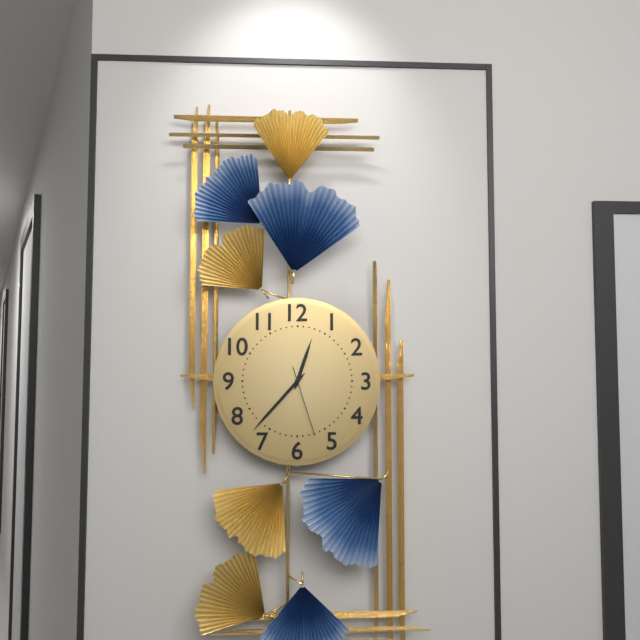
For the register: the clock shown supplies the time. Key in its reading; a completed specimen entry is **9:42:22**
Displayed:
**12:37:27**
